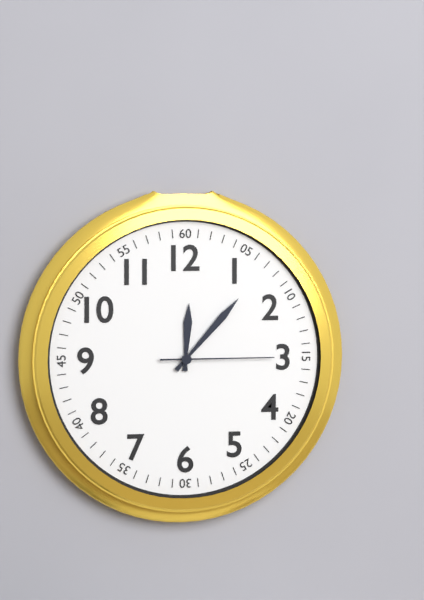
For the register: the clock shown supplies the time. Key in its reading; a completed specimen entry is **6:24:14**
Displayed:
**12:07:15**
